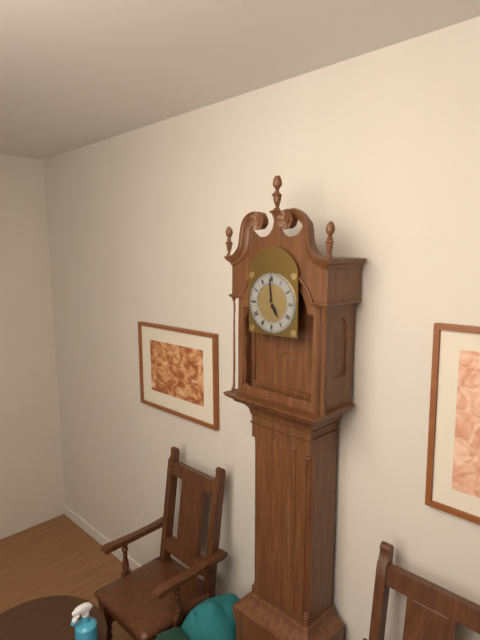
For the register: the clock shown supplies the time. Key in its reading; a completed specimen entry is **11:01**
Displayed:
**4:59**
